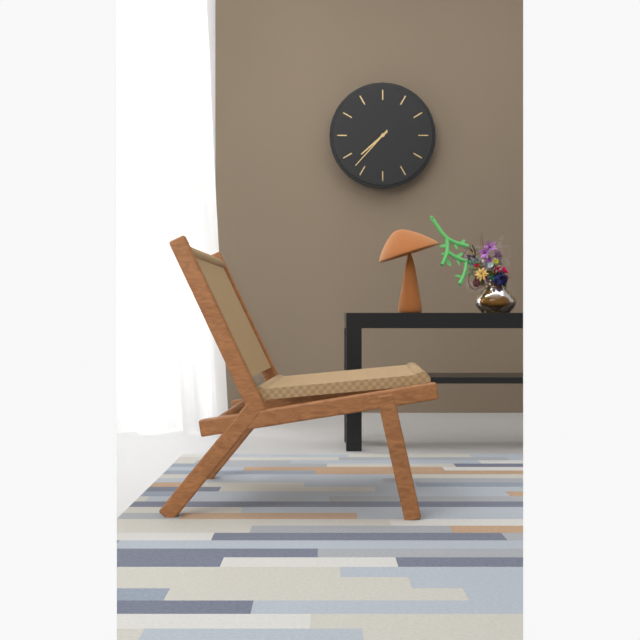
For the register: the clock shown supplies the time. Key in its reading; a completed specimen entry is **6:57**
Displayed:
**7:37**
